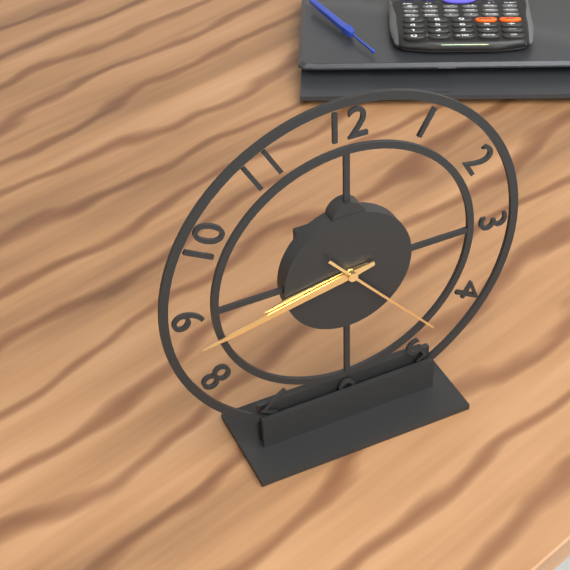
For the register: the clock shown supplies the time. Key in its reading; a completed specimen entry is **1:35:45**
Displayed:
**8:43:23**
